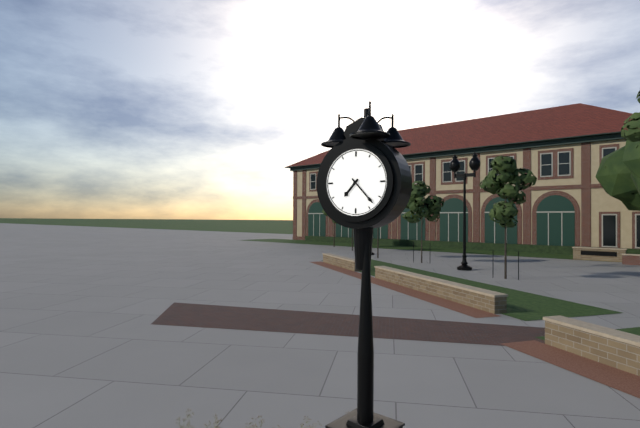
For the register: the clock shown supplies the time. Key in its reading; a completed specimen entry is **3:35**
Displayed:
**7:23**
